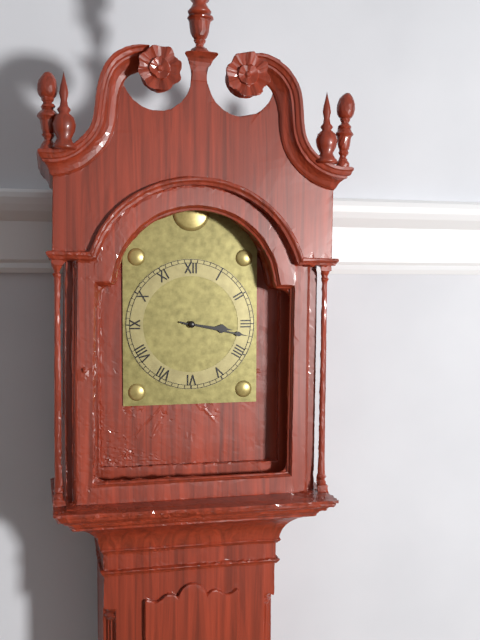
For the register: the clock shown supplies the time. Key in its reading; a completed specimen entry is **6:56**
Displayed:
**3:17**
